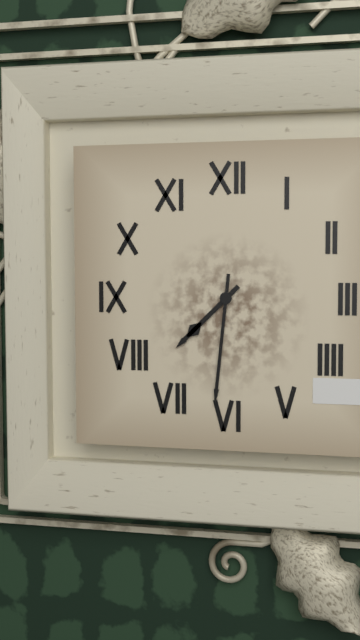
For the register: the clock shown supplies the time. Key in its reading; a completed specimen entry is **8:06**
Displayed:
**7:31**
